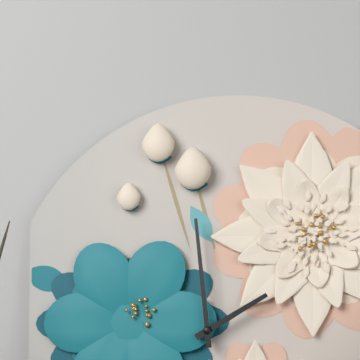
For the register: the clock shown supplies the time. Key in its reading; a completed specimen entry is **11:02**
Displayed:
**1:59**
